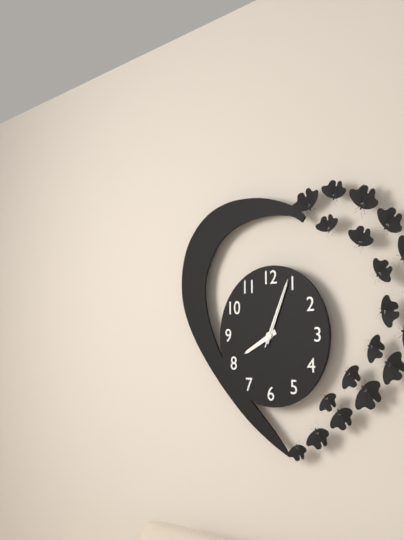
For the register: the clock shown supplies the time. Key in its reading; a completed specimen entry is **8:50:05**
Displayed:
**8:04:04**
